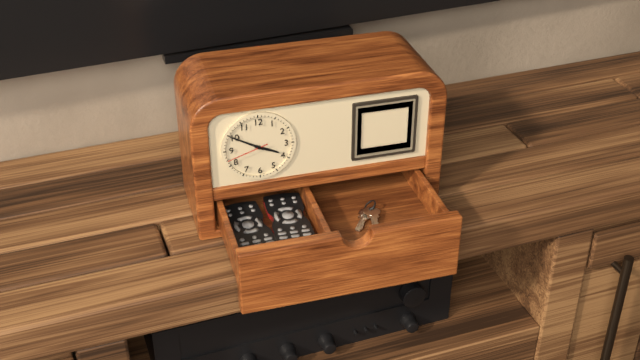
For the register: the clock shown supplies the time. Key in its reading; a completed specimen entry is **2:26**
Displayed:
**3:50**
